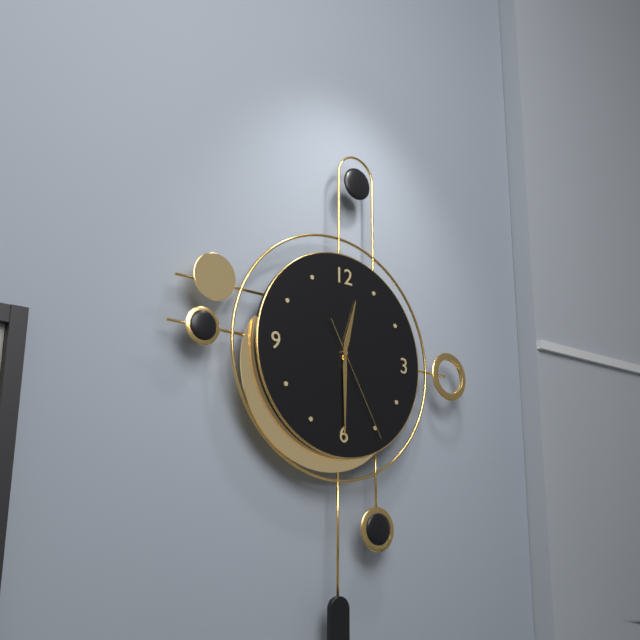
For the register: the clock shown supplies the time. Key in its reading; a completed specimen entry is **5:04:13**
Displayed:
**12:30:25**
